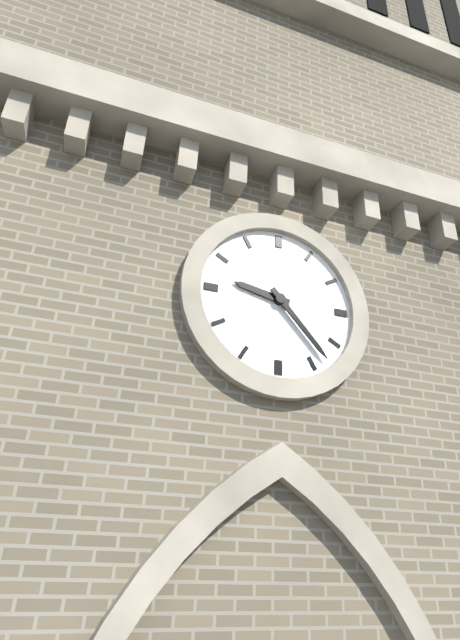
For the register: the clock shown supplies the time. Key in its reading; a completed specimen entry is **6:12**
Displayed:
**9:23**
